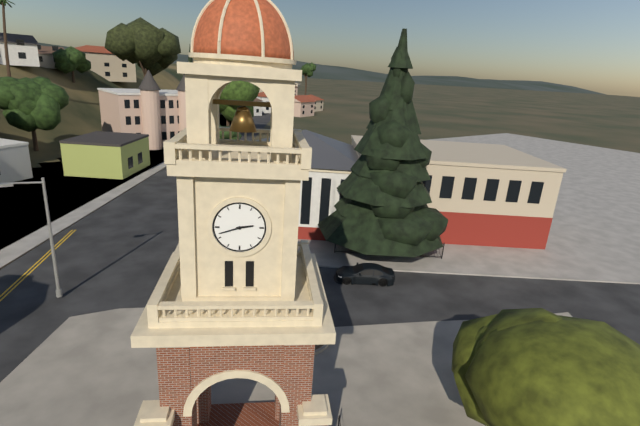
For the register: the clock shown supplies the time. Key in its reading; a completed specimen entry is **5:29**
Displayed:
**2:42**
